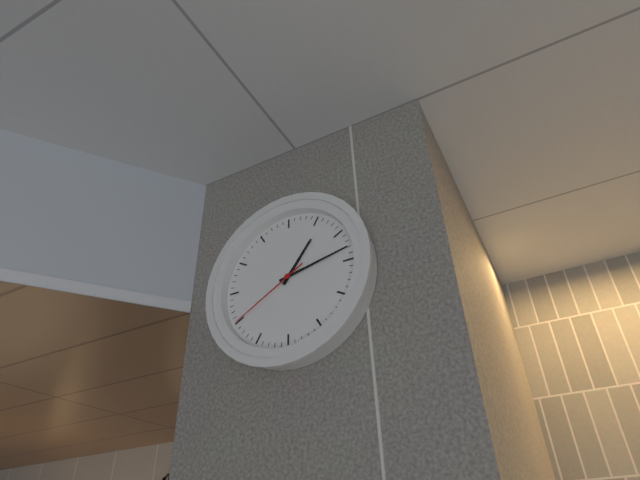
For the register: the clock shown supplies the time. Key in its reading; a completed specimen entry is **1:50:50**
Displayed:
**1:13:40**
